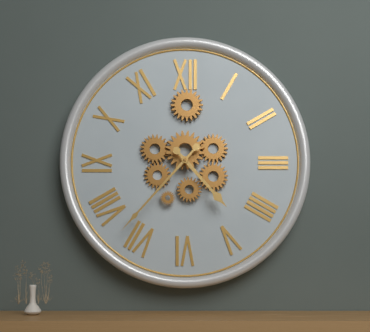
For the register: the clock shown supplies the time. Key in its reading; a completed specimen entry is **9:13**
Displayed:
**4:37**
